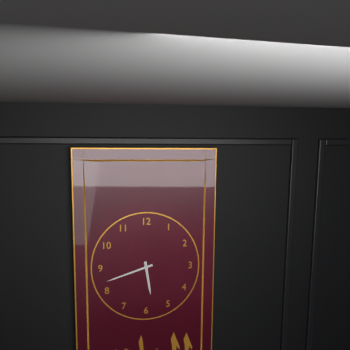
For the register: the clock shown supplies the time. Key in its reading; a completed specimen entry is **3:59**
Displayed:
**5:42**
